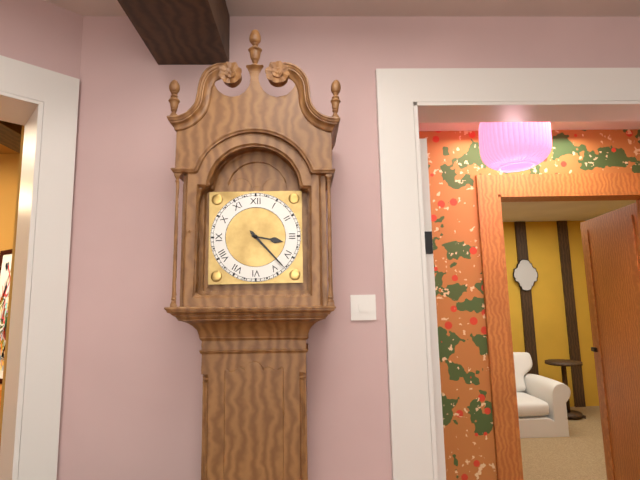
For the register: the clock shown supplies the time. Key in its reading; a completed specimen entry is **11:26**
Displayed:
**3:23**
